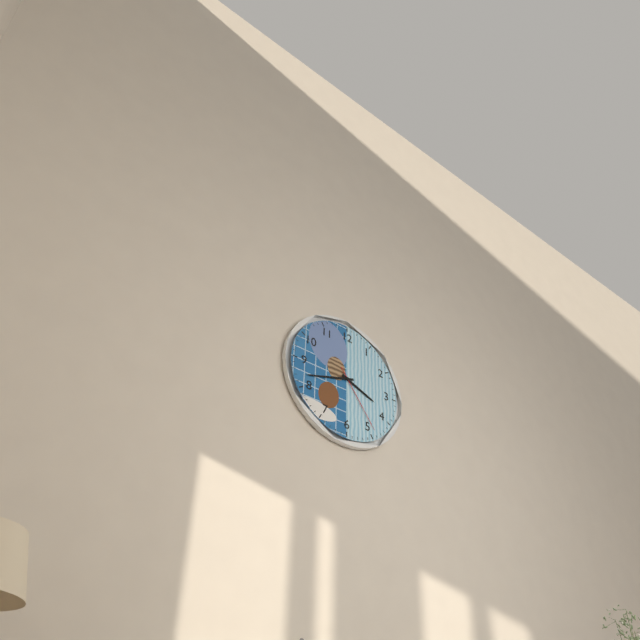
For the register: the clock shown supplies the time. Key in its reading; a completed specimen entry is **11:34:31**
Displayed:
**3:42:24**
